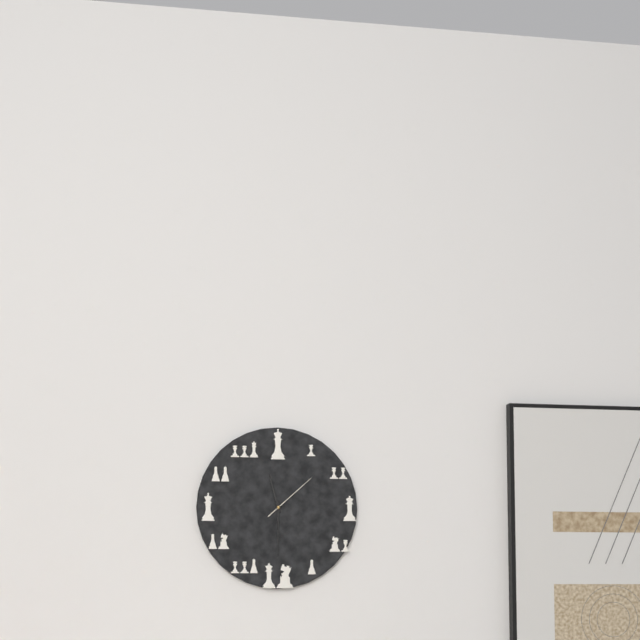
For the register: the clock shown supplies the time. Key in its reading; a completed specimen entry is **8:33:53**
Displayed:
**11:30:08**
